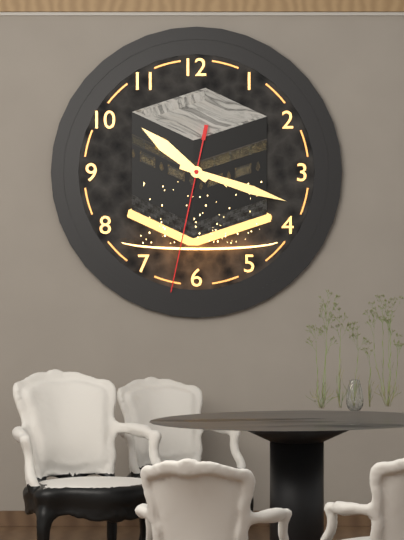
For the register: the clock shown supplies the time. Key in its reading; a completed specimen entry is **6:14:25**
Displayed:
**10:18:32**
